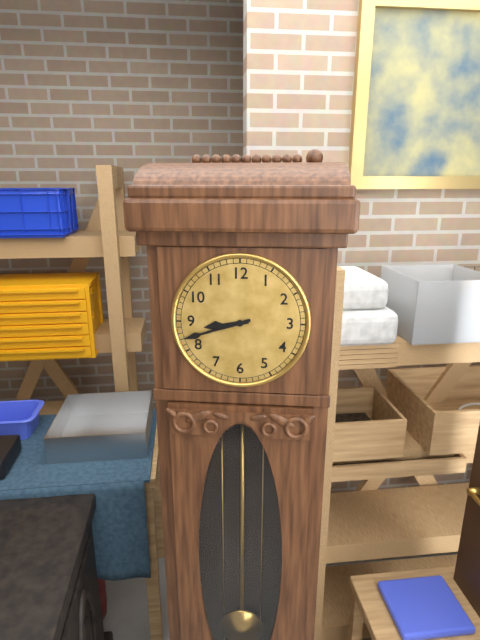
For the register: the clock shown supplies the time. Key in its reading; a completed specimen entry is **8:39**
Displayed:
**8:42**
